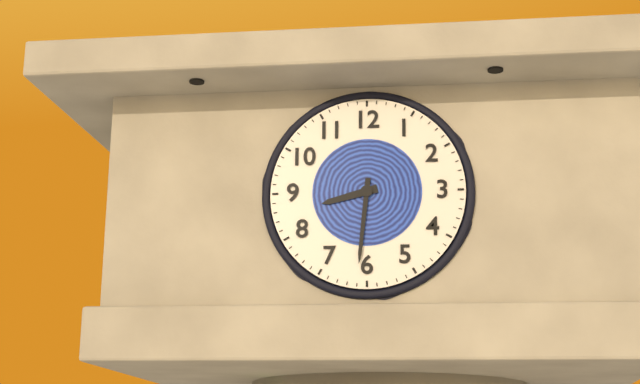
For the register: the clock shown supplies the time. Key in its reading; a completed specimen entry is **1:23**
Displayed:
**8:31**
